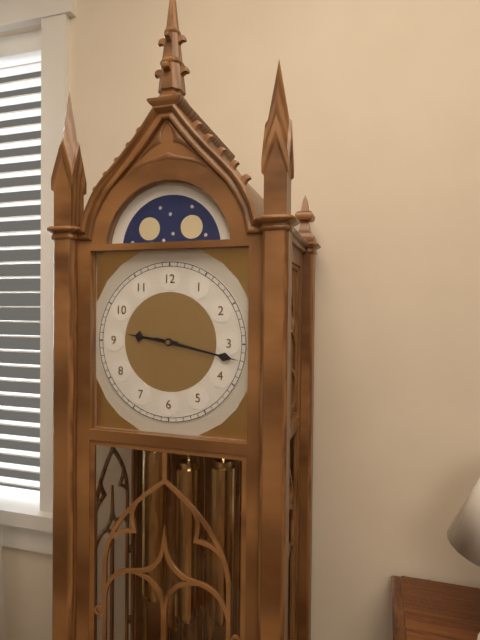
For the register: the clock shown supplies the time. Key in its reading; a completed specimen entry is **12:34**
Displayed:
**9:17**
